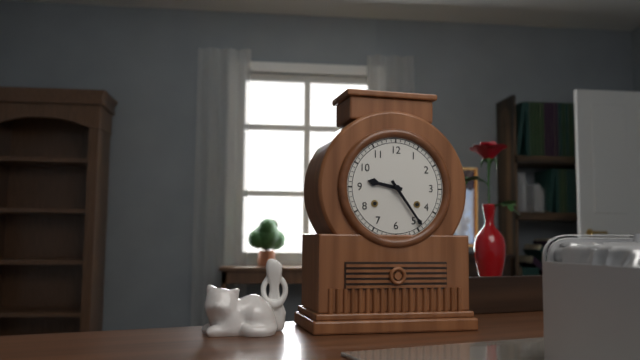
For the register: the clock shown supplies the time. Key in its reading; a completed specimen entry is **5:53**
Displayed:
**9:24**
